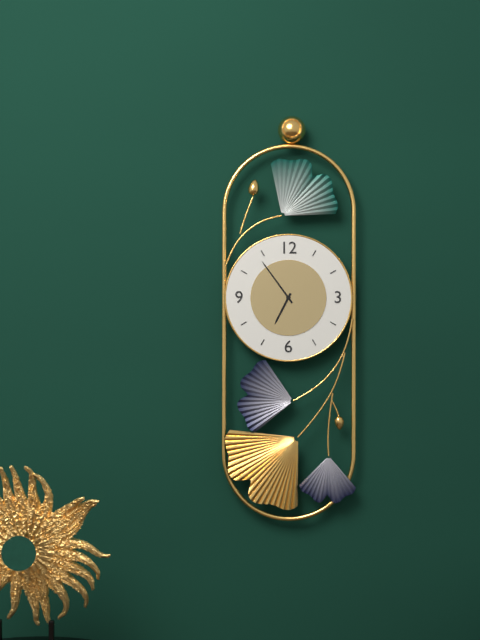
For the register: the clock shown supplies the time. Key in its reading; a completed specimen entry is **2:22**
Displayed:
**6:54**
